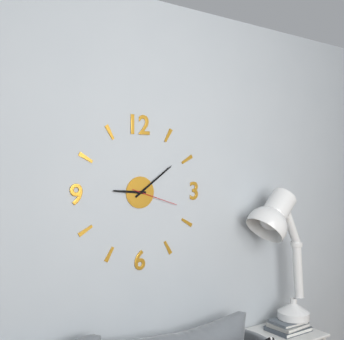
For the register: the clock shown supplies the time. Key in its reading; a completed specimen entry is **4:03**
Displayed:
**9:09**
